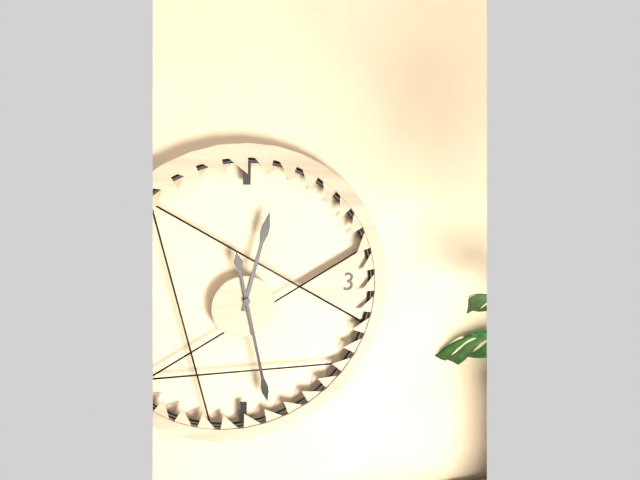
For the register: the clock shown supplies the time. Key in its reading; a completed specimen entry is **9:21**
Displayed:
**12:28**
